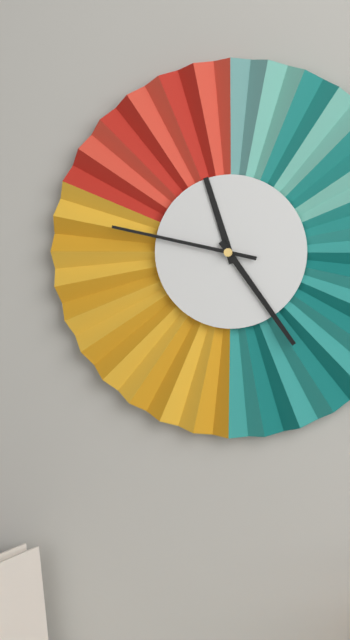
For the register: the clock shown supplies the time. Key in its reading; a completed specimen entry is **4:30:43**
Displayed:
**11:24:47**
